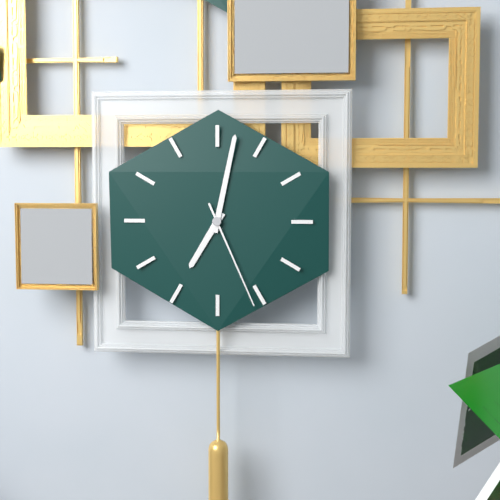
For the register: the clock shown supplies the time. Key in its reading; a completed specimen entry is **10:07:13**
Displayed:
**7:02:26**
